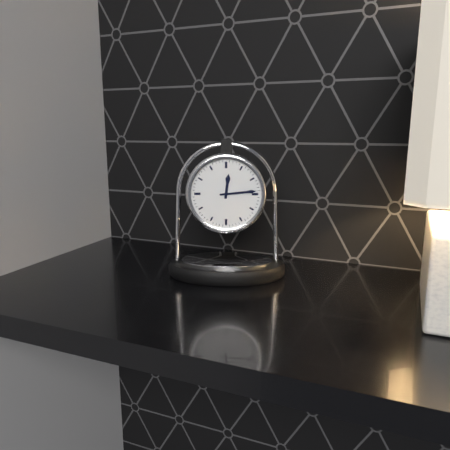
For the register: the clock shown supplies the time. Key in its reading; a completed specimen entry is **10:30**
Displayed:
**12:14**
